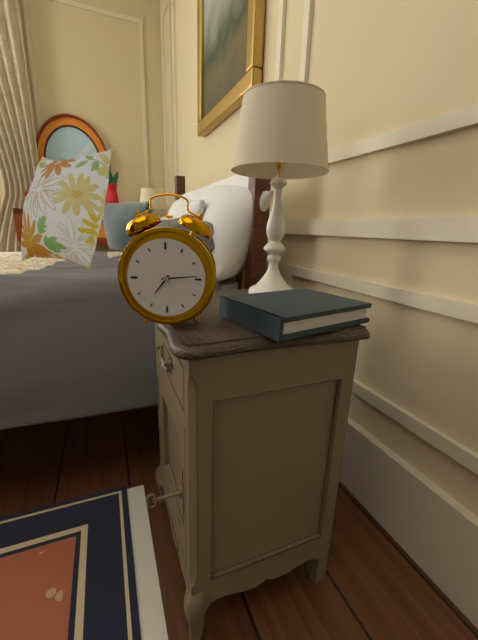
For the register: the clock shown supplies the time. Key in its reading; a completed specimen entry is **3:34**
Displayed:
**7:14**
